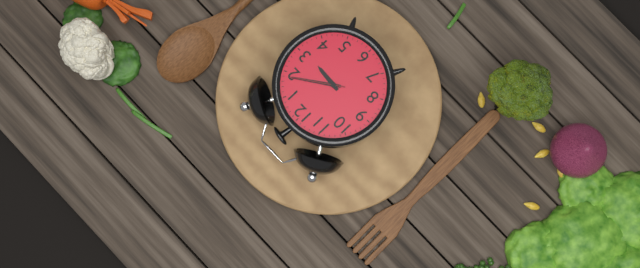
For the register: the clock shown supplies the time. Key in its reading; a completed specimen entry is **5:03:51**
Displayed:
**3:09:09**
